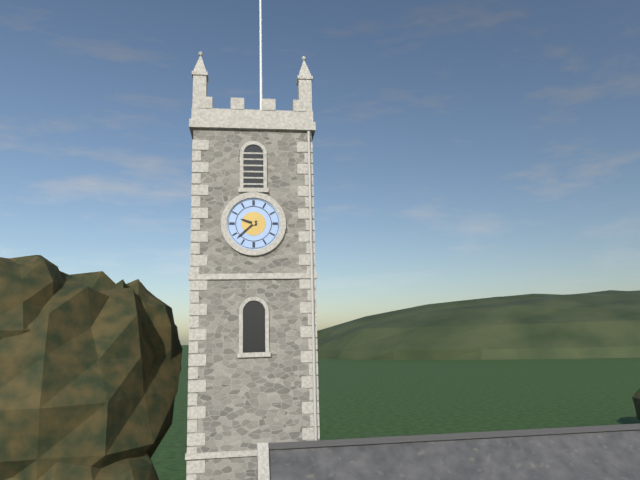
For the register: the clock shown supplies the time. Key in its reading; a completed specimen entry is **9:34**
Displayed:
**9:38**
